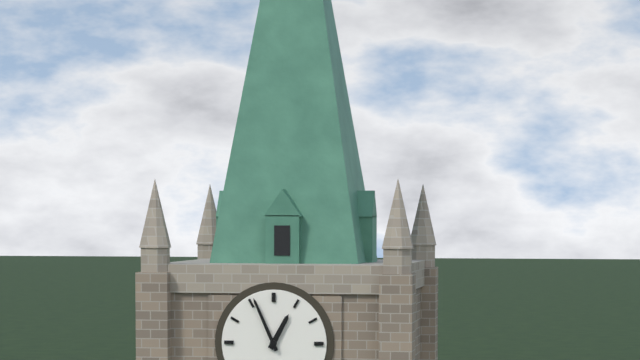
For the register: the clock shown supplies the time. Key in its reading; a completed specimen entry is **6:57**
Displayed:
**12:56**
